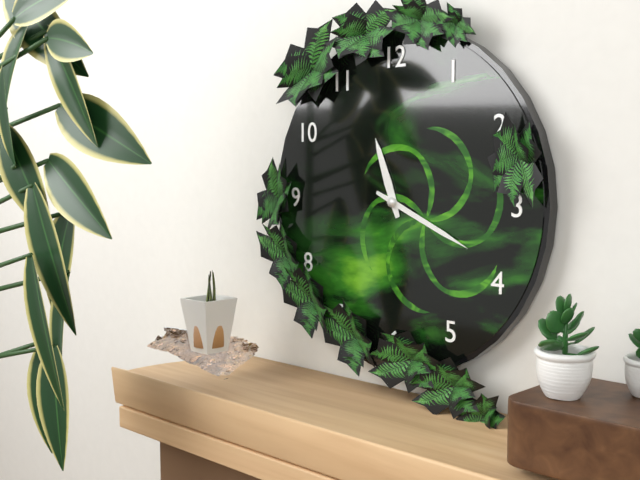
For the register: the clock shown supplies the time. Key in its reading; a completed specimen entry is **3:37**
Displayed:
**11:19**
